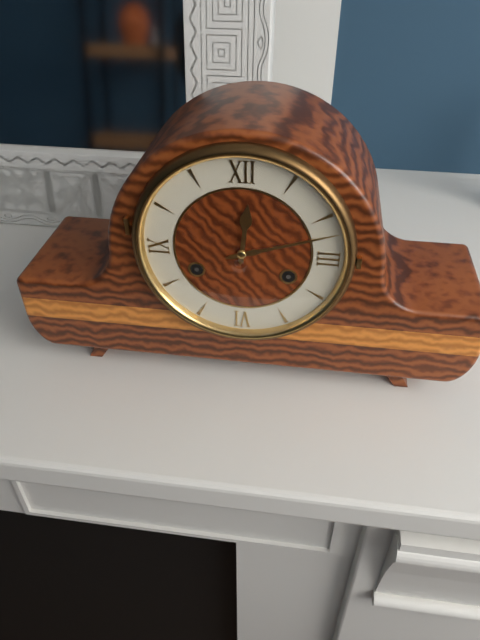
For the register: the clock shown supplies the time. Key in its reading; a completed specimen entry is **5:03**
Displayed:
**12:12**
